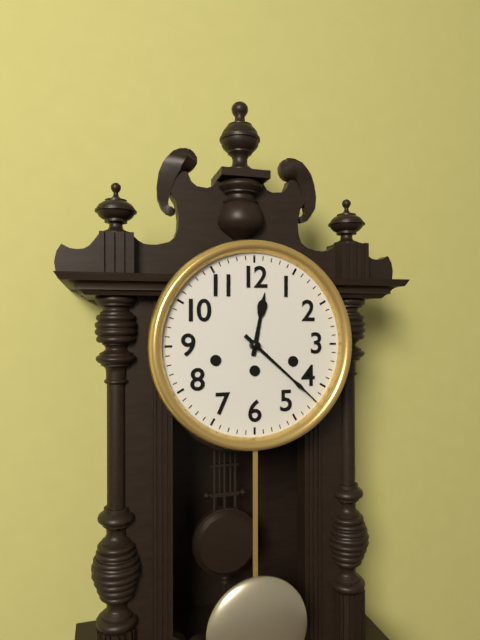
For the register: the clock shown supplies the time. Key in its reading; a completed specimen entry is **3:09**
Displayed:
**12:22**
